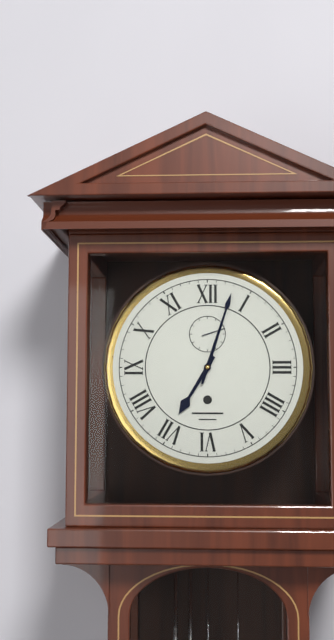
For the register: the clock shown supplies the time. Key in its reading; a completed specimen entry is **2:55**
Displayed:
**7:03**
